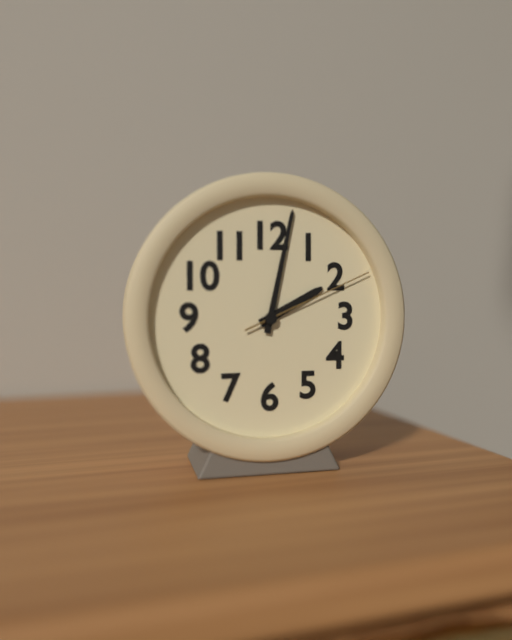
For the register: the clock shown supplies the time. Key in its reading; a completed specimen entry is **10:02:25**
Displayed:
**2:02:11**
